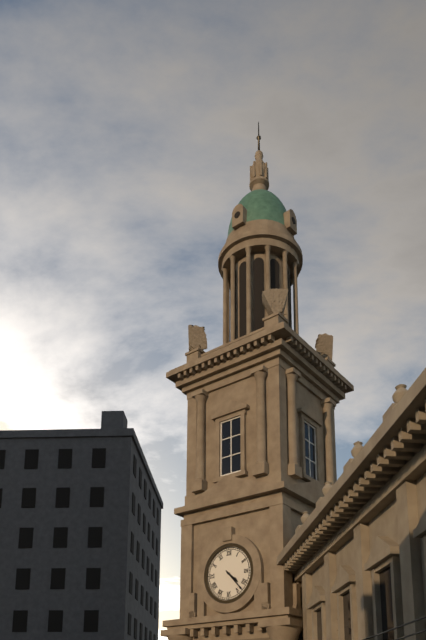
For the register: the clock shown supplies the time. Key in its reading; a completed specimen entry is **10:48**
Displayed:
**4:23**
